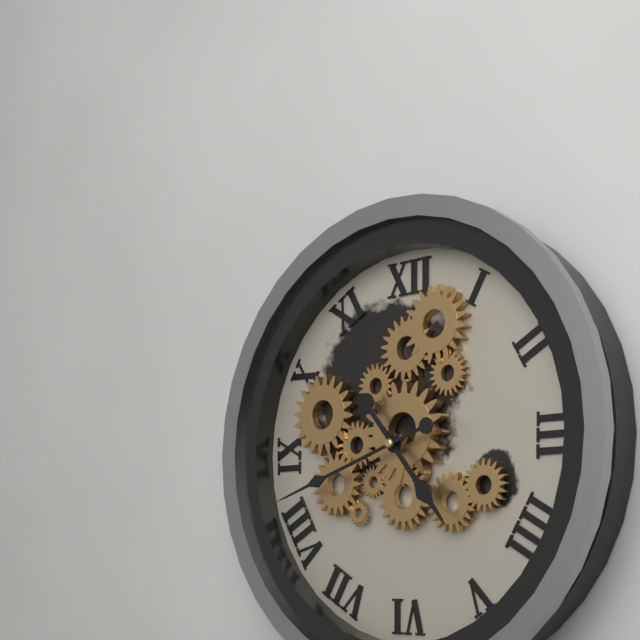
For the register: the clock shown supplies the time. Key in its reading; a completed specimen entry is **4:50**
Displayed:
**4:42**
